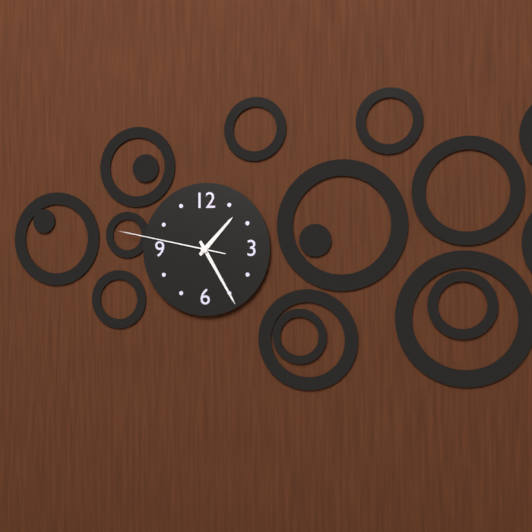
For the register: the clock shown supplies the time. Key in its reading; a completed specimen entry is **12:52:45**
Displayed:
**1:25:47**
